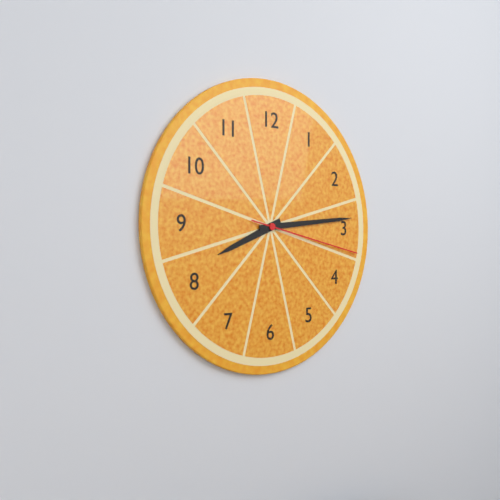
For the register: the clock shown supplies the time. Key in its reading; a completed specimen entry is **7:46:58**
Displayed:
**8:14:17**
